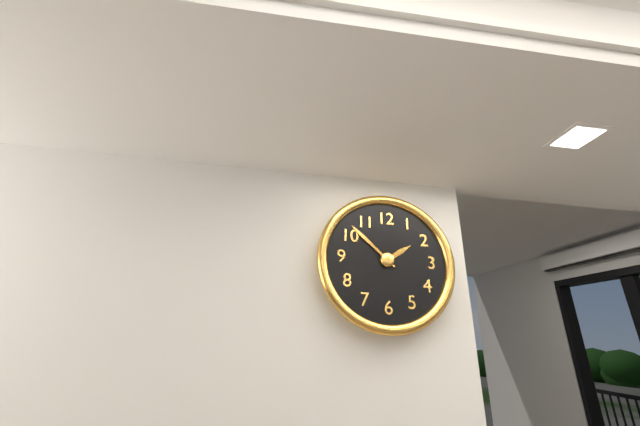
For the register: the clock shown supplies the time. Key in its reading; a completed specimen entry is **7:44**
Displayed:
**1:52**
